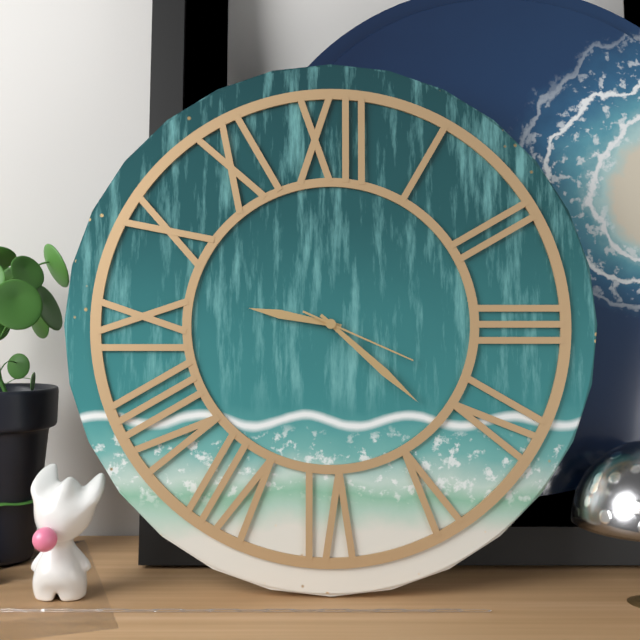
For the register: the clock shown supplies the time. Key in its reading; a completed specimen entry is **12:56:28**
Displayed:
**9:22:19**
